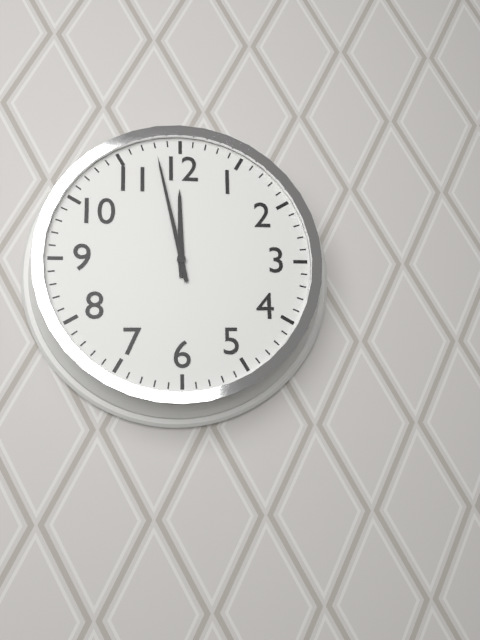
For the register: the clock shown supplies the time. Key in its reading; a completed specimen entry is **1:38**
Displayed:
**11:58**
